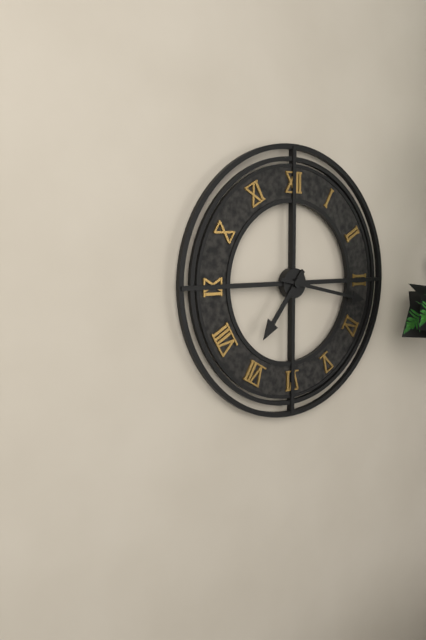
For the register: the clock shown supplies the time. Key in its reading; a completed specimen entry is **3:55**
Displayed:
**7:17**
